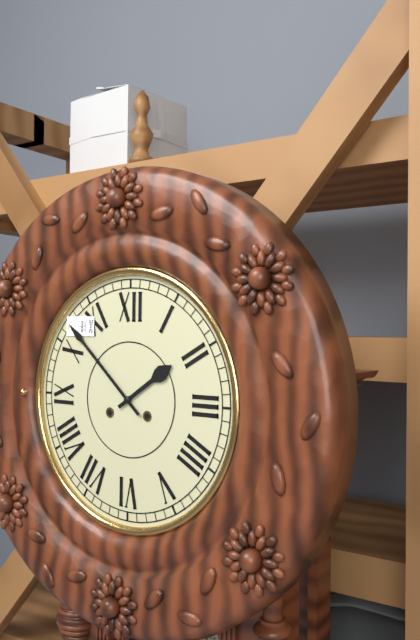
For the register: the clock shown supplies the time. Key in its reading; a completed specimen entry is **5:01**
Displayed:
**1:52**
